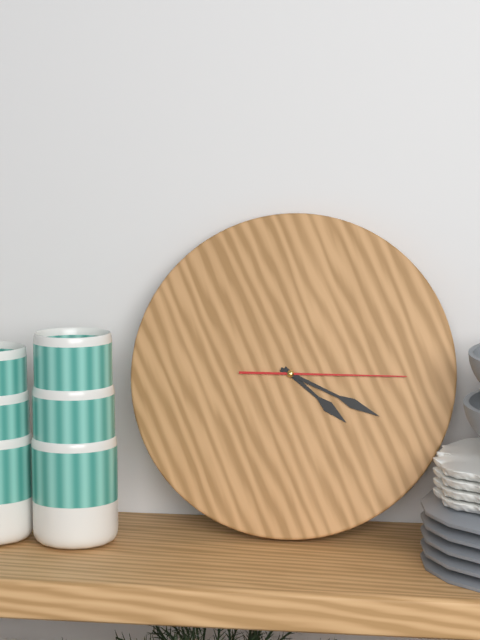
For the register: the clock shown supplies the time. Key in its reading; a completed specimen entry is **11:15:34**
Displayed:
**4:19:15**
